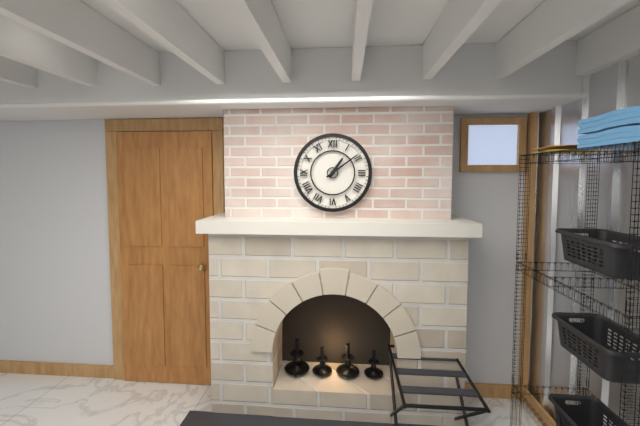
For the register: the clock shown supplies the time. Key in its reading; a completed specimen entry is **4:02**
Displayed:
**1:09**
